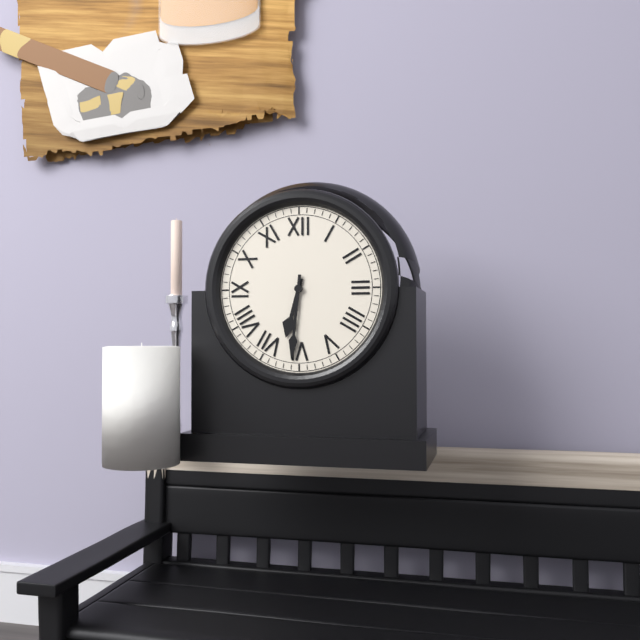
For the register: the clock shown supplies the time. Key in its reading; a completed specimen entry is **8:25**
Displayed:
**6:31**
